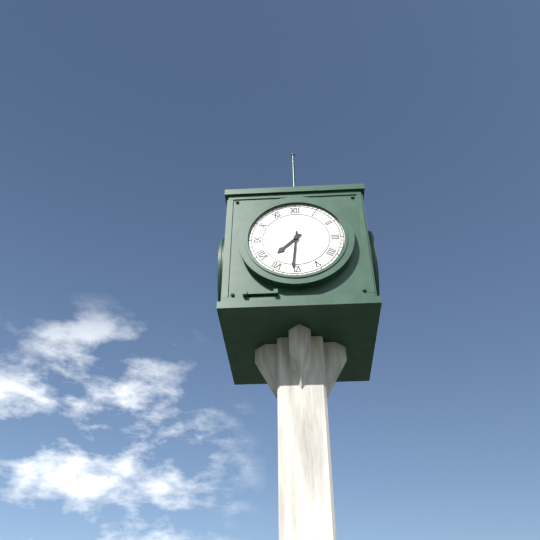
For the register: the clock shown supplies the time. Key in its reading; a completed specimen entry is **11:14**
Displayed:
**7:31**
